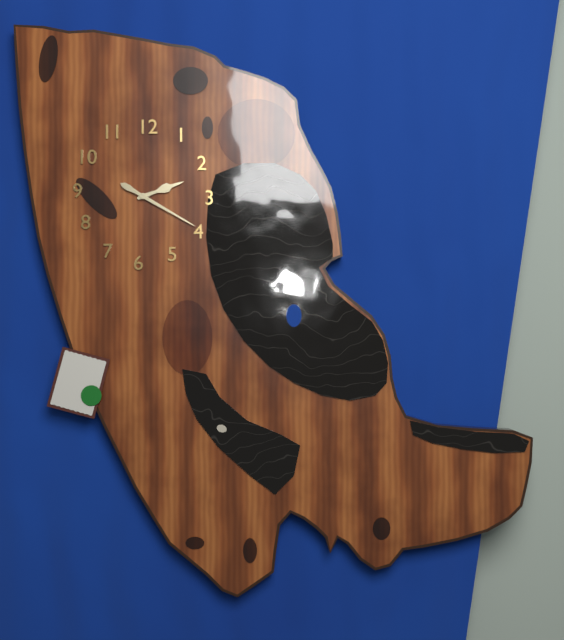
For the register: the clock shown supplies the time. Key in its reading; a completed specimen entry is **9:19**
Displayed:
**2:20**
